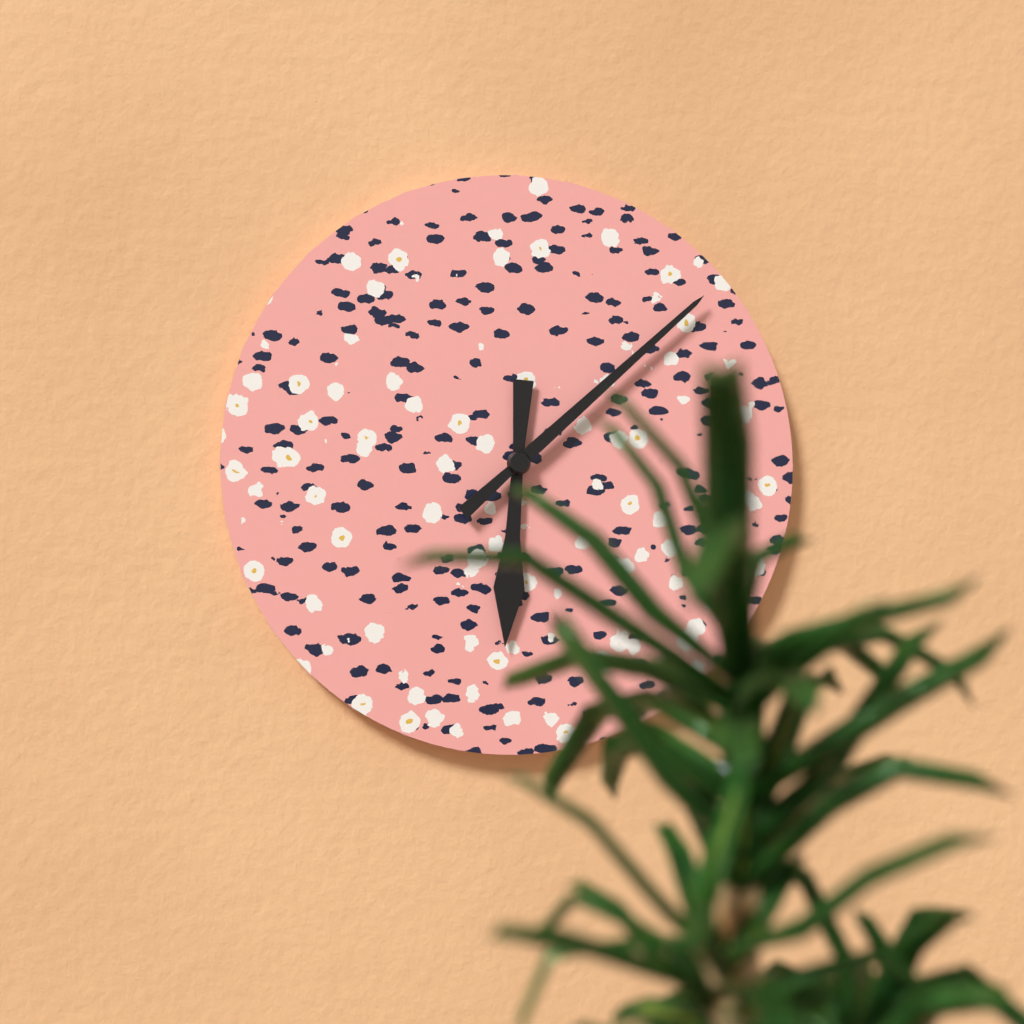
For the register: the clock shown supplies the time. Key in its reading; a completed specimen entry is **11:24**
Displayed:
**6:08**
